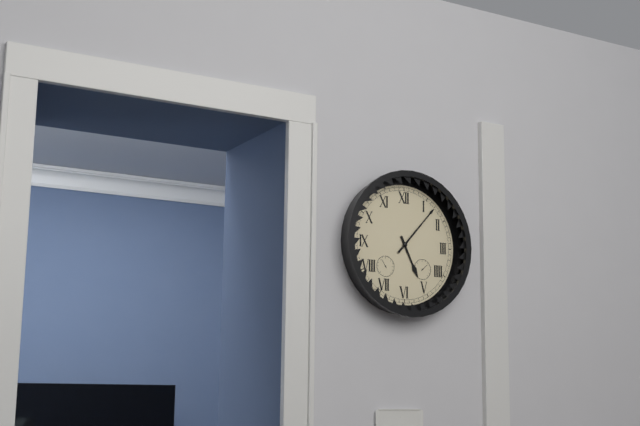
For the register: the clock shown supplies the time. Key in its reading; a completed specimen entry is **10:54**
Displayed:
**5:07**
